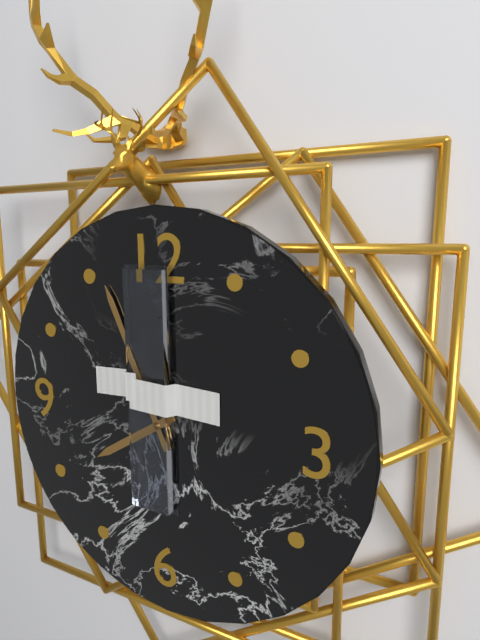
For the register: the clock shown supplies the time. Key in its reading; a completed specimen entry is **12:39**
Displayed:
**7:56**
